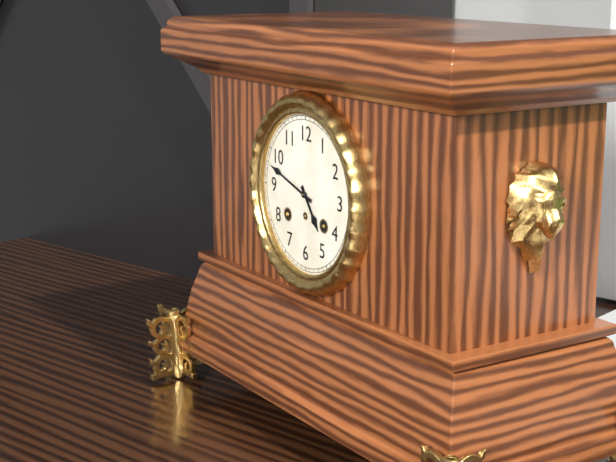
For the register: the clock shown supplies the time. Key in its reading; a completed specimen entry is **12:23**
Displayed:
**4:48**
